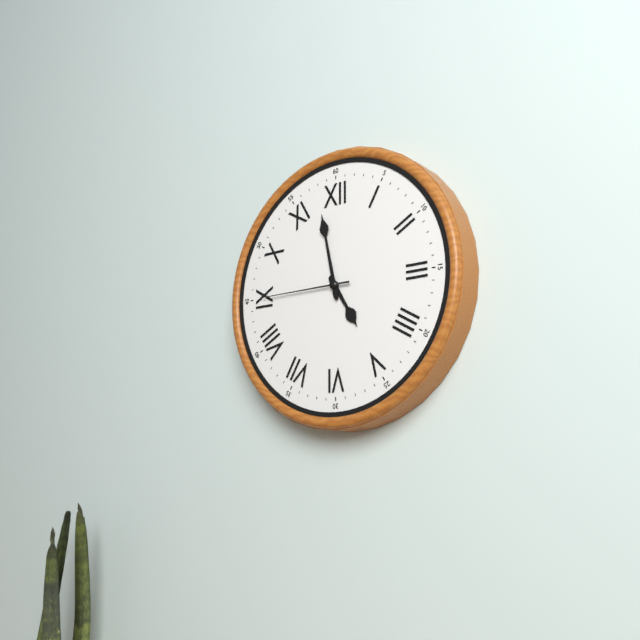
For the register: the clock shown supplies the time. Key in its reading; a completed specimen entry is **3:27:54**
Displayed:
**4:58:45**
